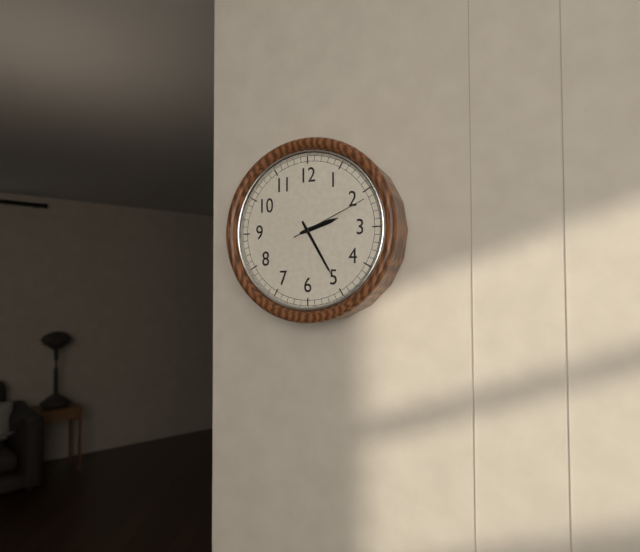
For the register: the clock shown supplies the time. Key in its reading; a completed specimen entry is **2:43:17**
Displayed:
**2:25:11**
